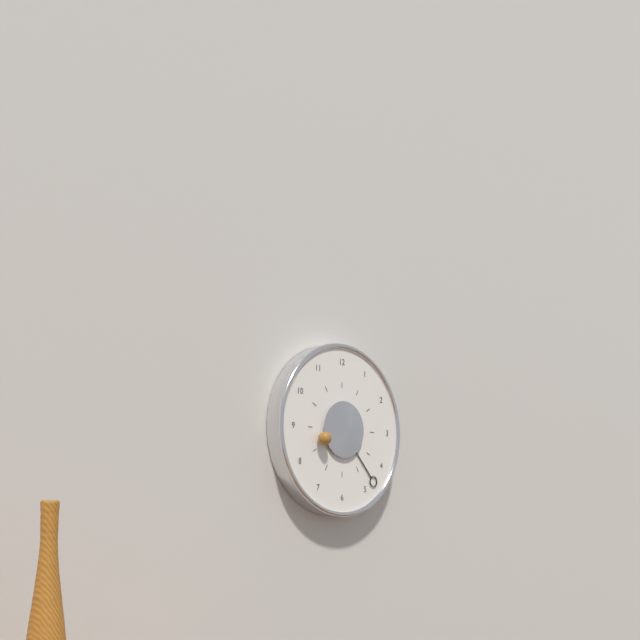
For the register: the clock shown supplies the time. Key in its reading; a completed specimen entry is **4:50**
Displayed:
**8:23**
